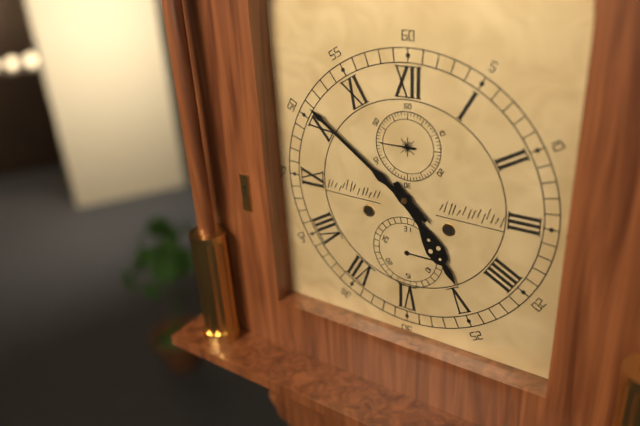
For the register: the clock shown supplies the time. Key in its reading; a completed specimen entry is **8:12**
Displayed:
**4:51**
